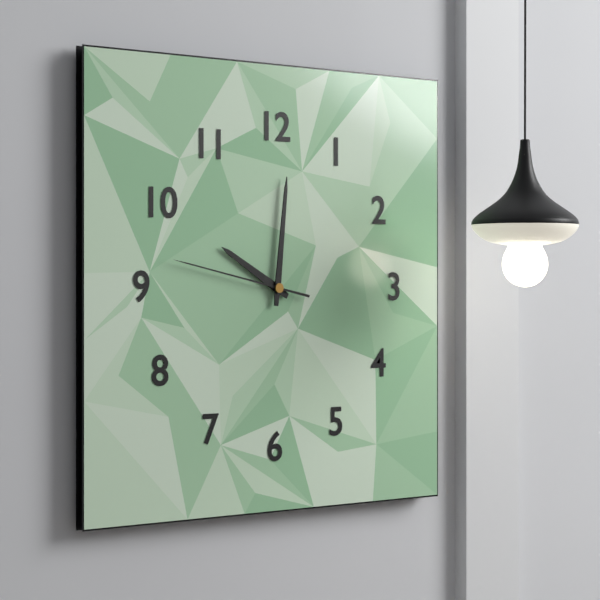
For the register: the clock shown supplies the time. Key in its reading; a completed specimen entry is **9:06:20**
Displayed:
**10:01:47**
